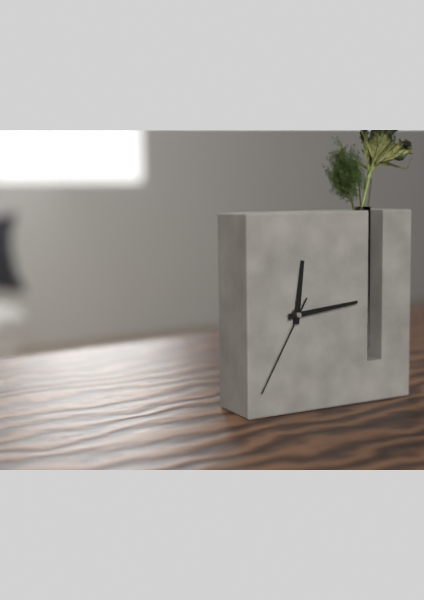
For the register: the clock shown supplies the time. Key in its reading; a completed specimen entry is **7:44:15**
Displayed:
**12:14:35**
